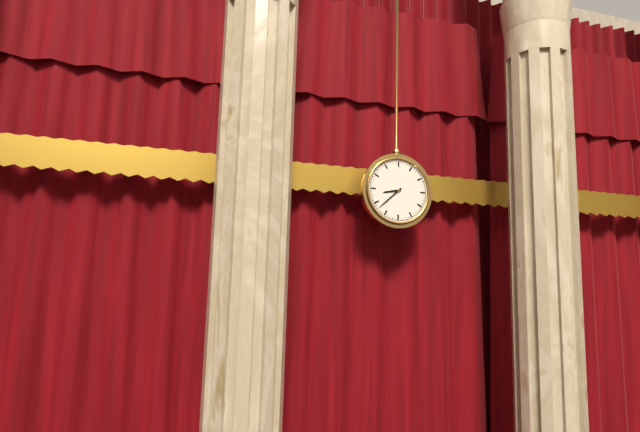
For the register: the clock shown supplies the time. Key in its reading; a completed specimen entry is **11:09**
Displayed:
**8:38**
